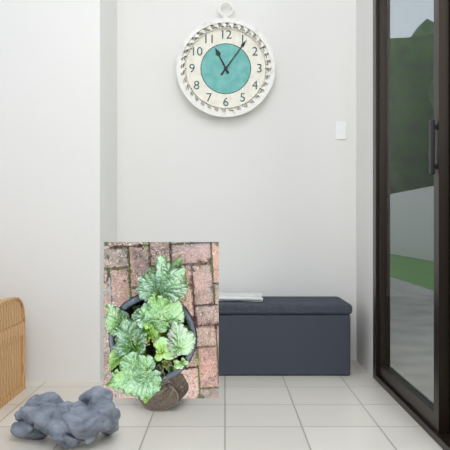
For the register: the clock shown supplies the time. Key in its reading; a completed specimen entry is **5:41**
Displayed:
**11:06**
